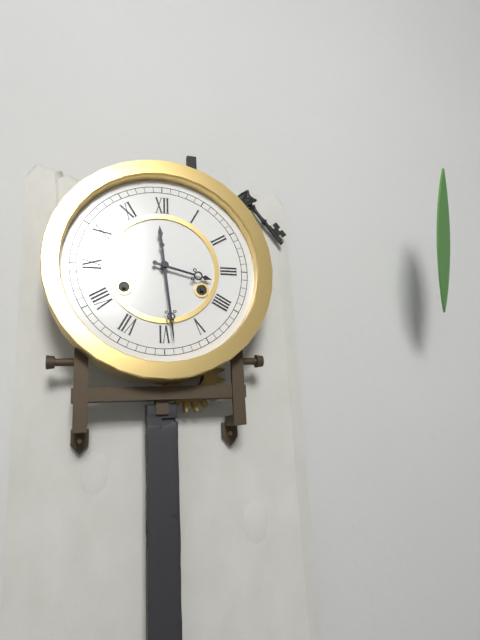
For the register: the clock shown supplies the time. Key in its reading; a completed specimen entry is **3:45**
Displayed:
**3:29**
